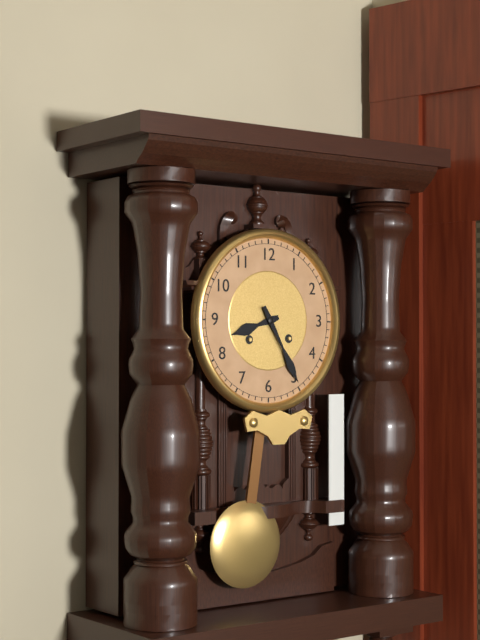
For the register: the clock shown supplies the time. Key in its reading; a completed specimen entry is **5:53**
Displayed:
**8:25**
